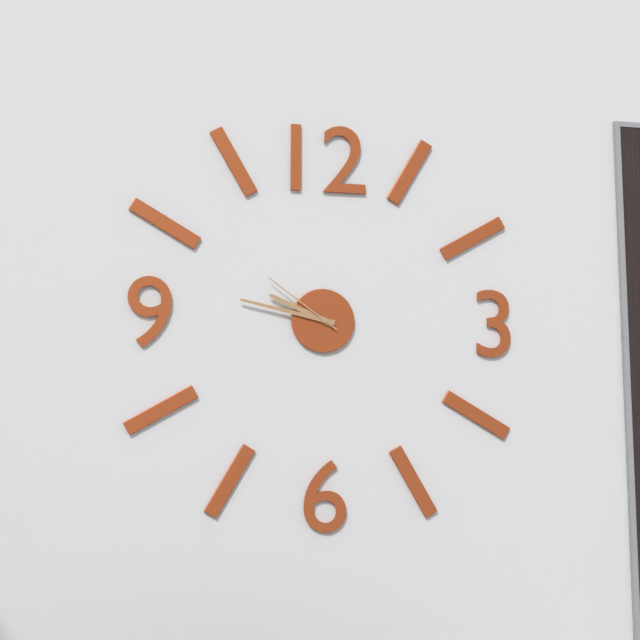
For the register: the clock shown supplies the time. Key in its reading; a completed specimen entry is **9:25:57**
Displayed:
**9:47:51**
